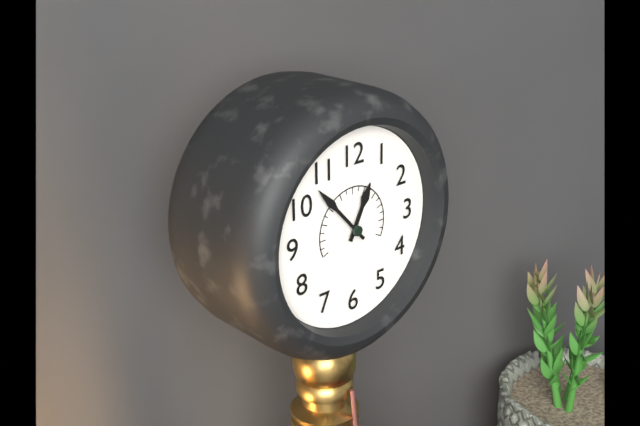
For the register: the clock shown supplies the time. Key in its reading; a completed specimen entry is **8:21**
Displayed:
**12:53**
